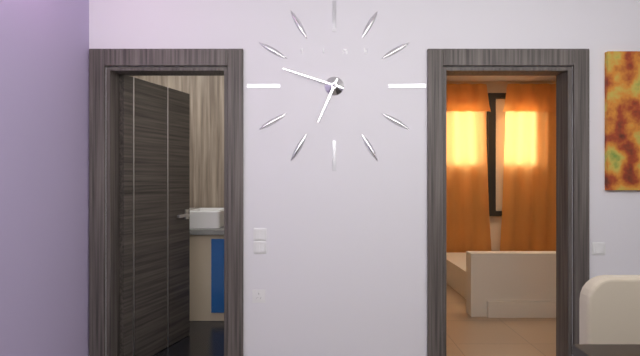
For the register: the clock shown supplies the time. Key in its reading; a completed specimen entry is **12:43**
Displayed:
**6:48**
